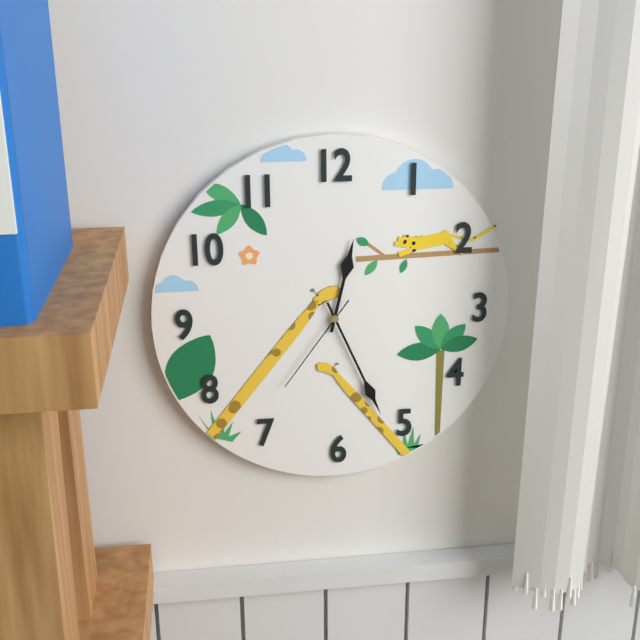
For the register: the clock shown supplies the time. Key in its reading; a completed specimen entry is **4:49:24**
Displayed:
**12:26:36**
